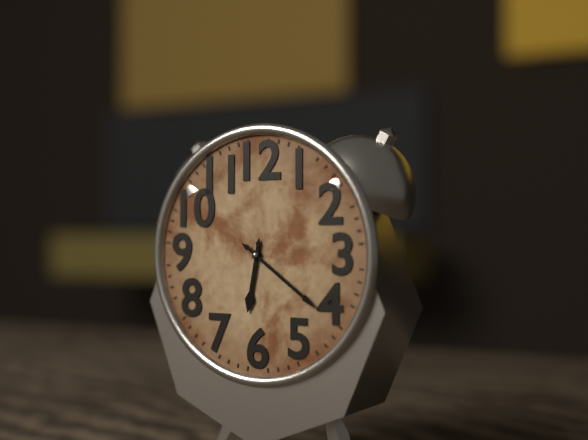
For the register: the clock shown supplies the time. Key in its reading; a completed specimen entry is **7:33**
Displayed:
**6:21**
